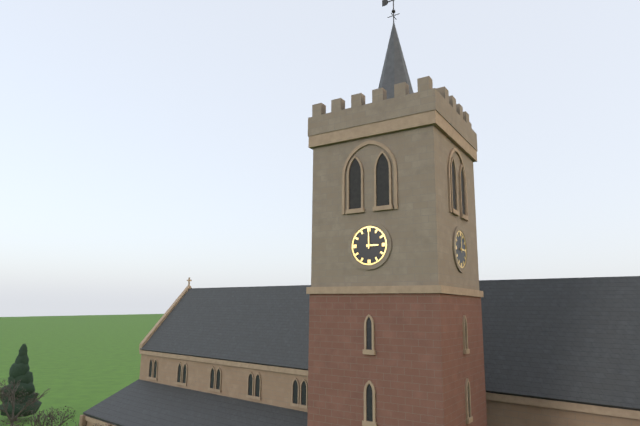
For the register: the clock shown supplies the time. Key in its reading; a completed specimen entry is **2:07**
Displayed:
**3:00**
